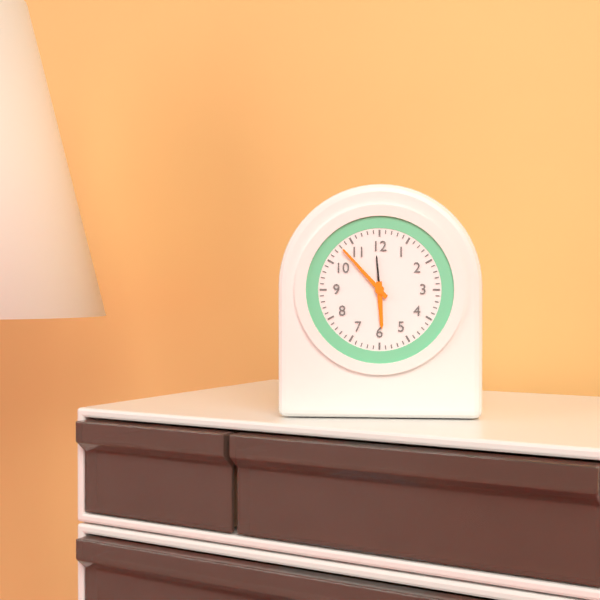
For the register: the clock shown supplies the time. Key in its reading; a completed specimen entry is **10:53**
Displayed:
**5:53**
